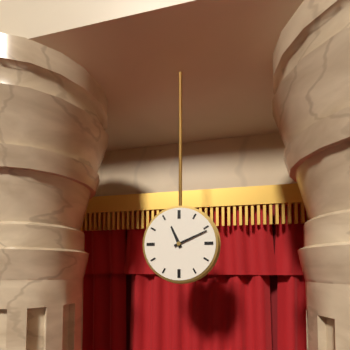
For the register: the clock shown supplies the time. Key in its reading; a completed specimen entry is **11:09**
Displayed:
**11:11**
